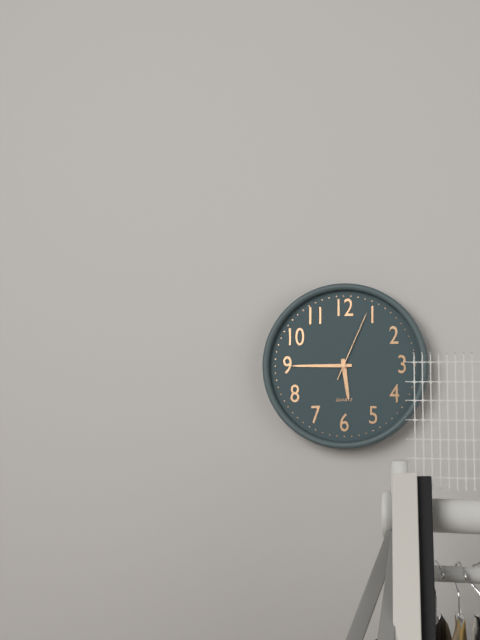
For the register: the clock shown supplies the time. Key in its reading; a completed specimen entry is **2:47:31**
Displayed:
**5:45:04**
